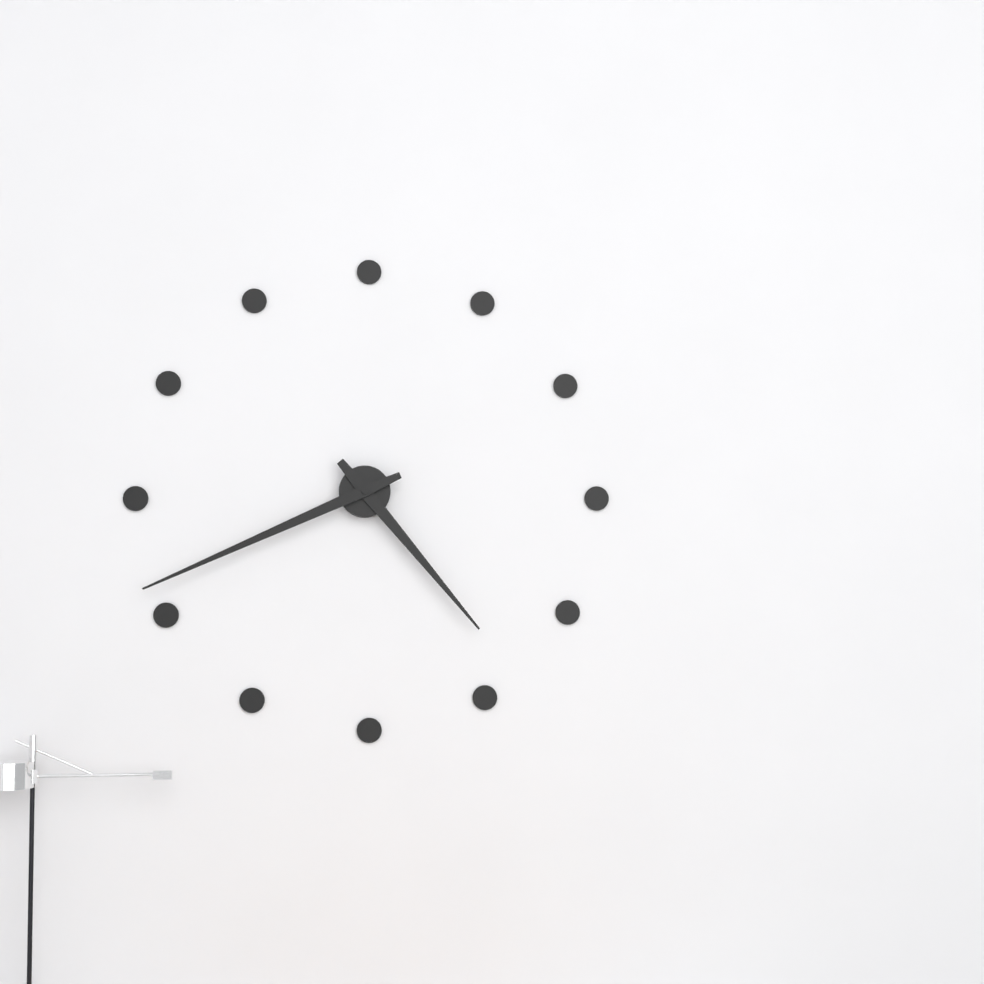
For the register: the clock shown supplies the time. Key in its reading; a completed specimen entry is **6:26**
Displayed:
**4:41**
